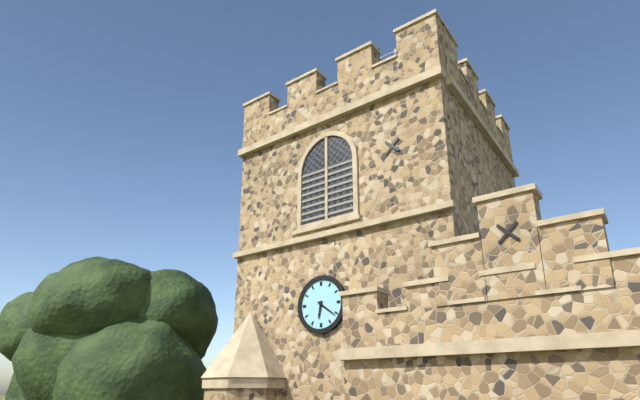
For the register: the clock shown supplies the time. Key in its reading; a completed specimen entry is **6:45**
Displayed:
**6:21**
